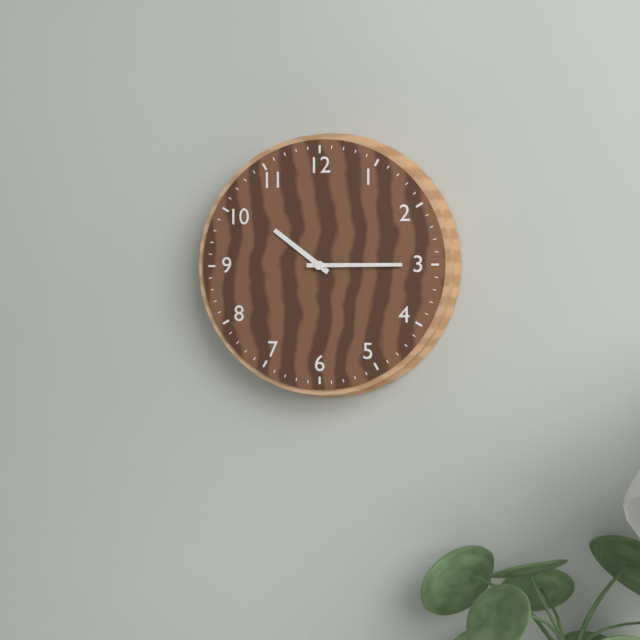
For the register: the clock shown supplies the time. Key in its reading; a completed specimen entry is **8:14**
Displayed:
**10:15**
